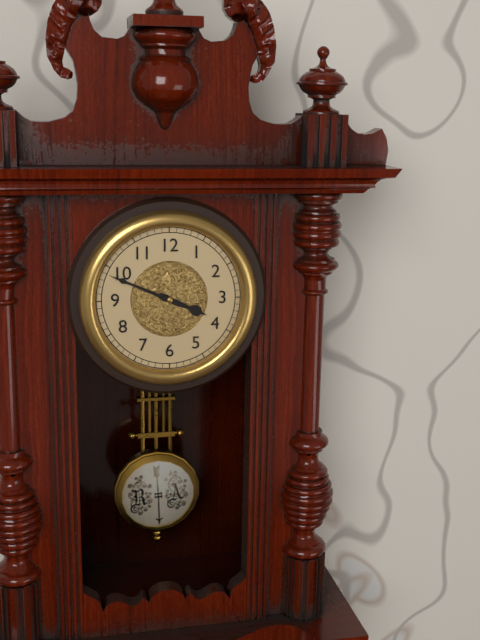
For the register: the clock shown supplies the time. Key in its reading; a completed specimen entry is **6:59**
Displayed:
**3:49**
